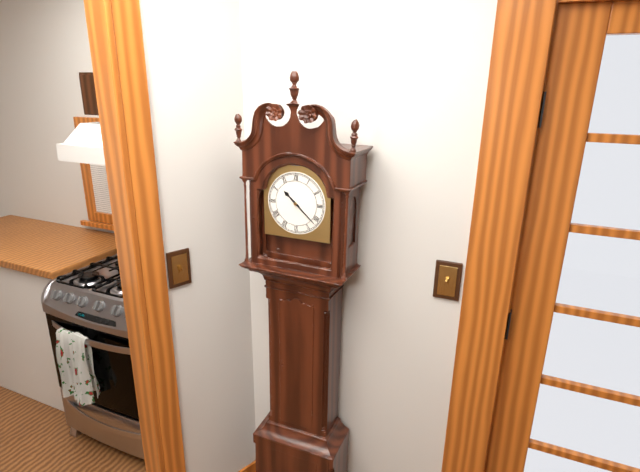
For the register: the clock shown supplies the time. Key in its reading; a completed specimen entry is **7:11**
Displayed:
**10:22**
